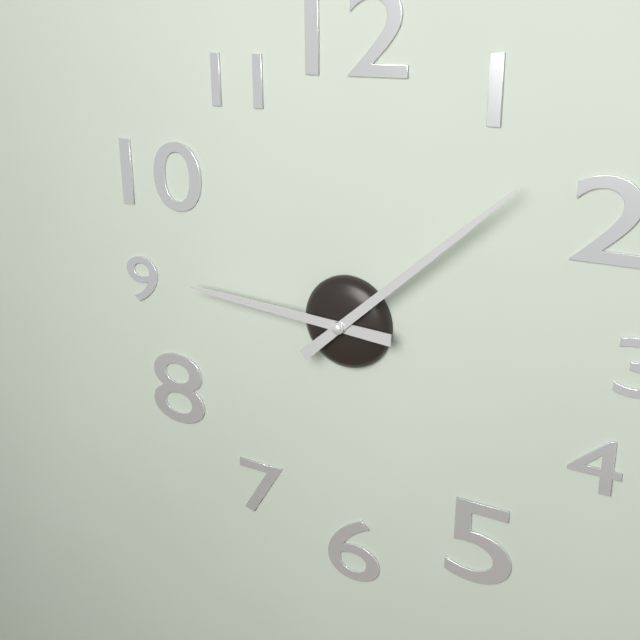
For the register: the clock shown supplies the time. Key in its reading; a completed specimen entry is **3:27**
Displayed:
**9:08**
